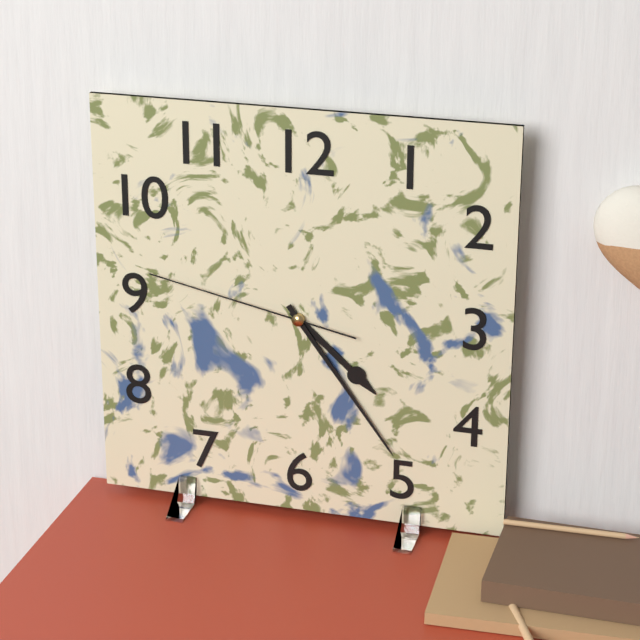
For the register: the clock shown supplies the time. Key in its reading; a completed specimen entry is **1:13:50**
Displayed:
**4:24:47**
